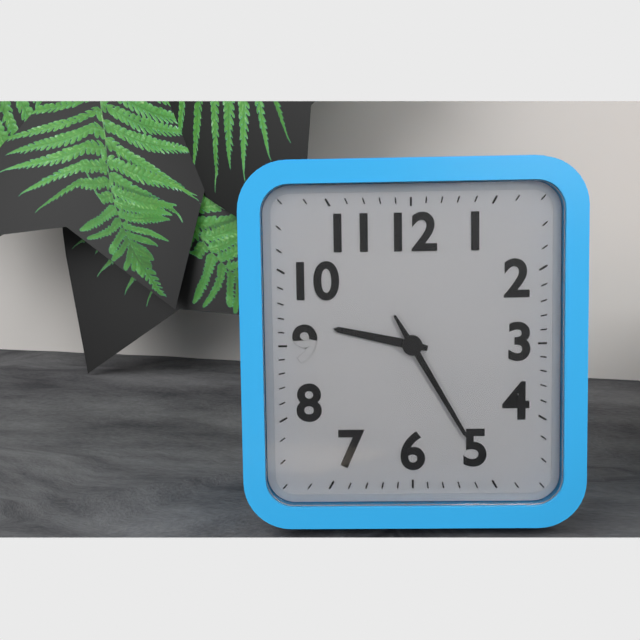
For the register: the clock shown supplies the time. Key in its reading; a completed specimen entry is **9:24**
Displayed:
**9:25**
